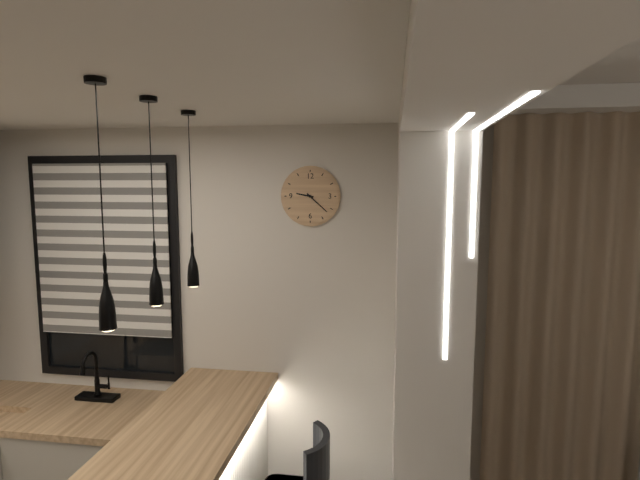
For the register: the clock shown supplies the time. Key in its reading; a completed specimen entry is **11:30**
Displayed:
**9:22**
